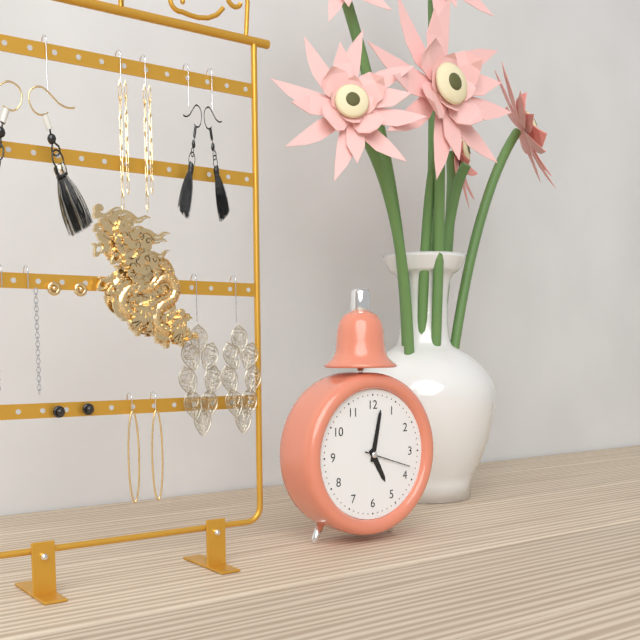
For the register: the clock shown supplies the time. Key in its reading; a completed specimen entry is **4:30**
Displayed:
**5:02**
